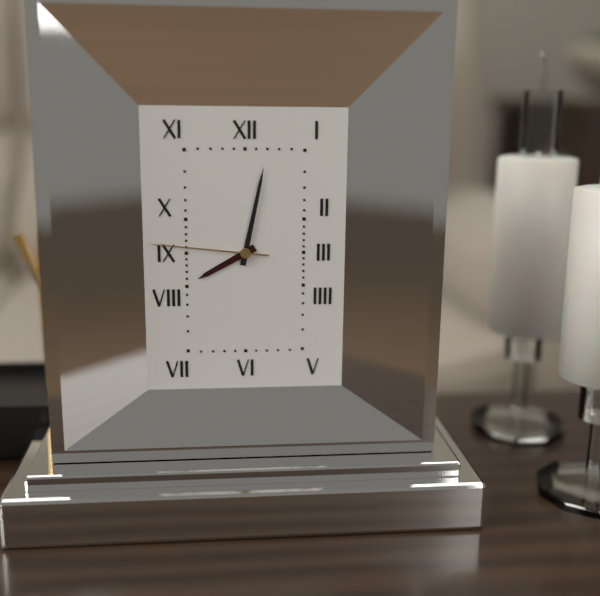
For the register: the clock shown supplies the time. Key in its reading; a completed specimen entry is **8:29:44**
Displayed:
**8:02:46**
